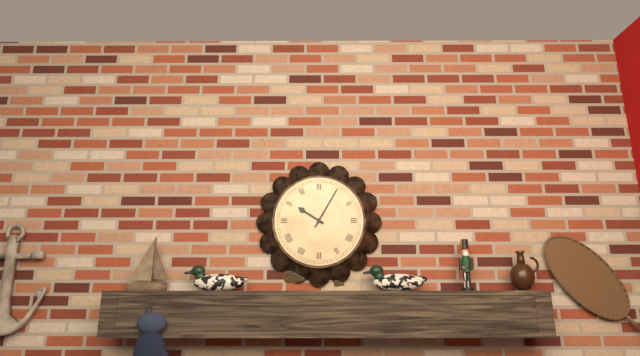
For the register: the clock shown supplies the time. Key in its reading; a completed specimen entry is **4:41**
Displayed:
**10:05**
